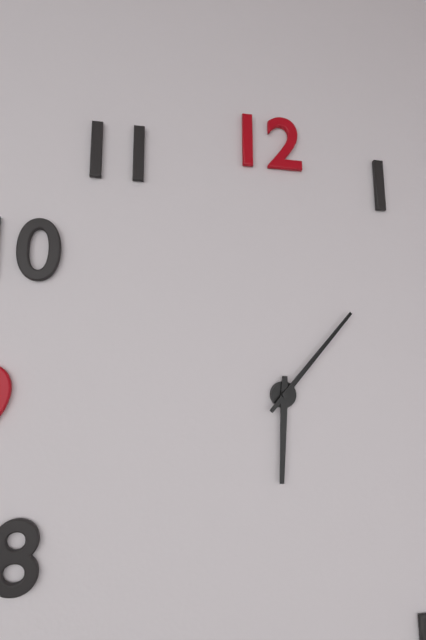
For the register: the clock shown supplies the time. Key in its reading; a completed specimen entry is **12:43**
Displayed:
**6:07**
